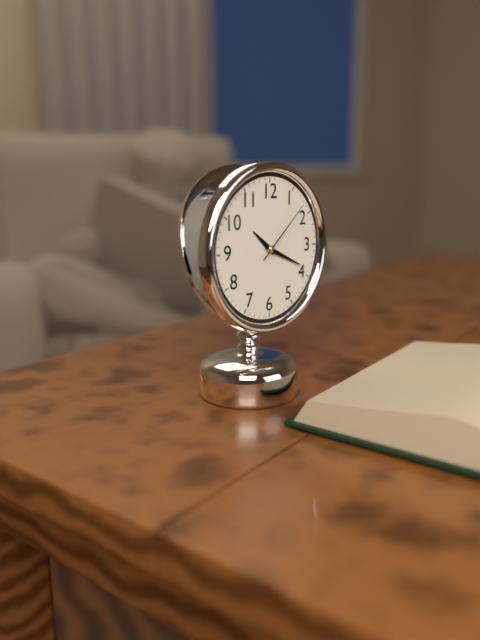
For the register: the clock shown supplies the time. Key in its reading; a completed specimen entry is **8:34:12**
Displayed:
**10:19:08**
